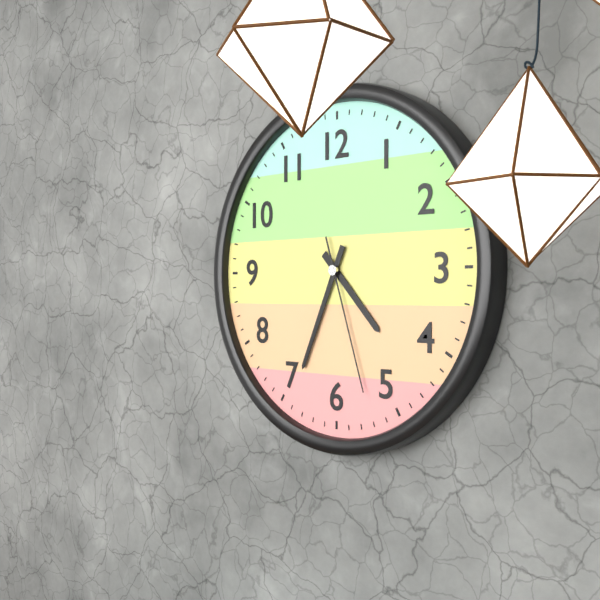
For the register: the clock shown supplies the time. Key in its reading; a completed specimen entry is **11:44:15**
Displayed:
**4:34:27**
